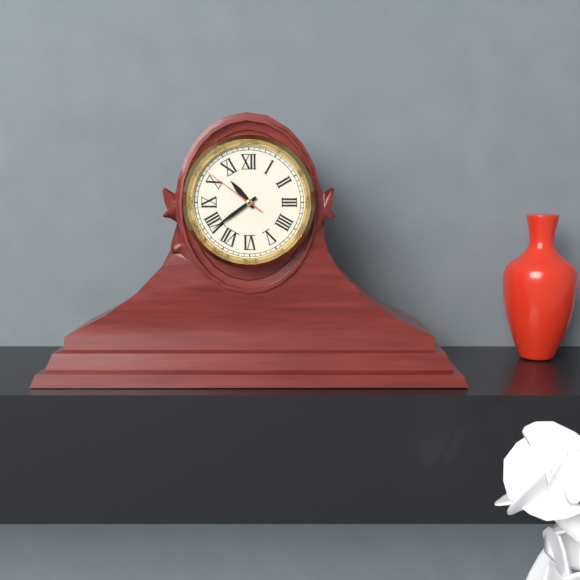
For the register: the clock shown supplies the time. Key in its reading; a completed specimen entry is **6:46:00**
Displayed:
**10:39:51**
